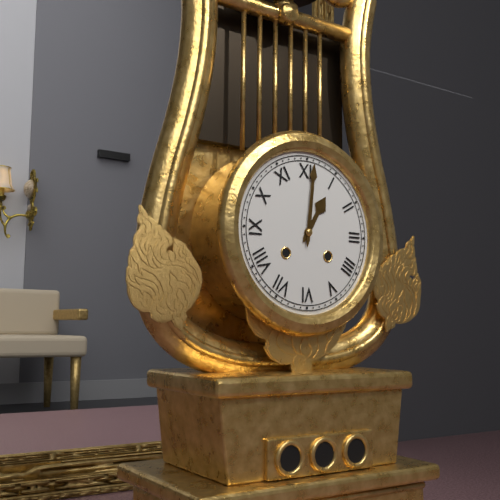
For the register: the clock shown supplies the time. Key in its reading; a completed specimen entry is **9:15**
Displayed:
**1:01**
